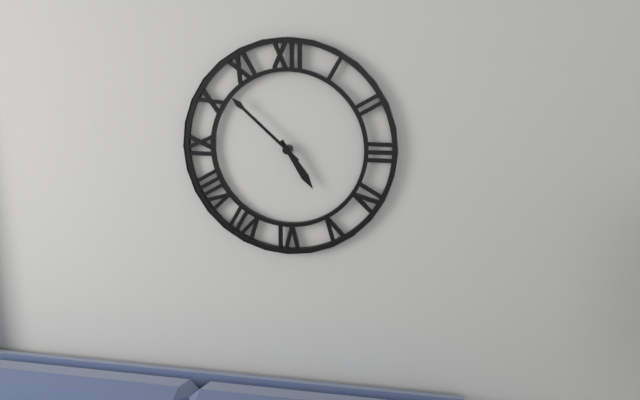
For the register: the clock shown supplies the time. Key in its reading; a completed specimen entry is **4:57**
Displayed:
**4:52**
